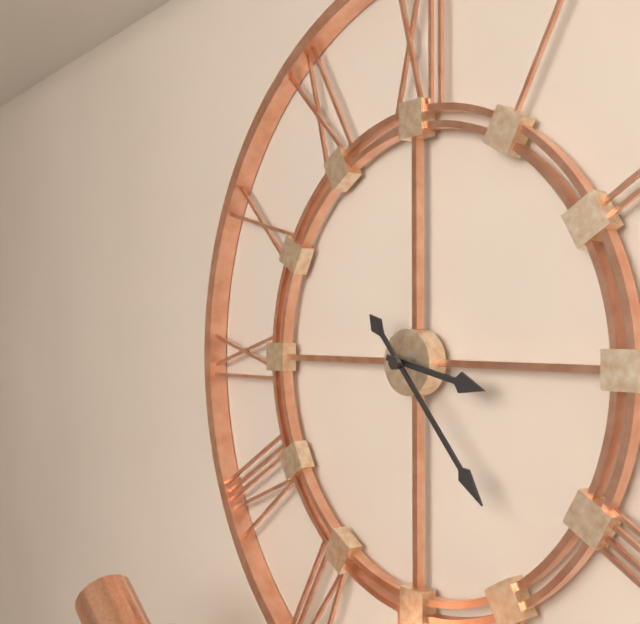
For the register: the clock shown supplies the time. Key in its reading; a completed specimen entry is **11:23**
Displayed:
**3:23**
